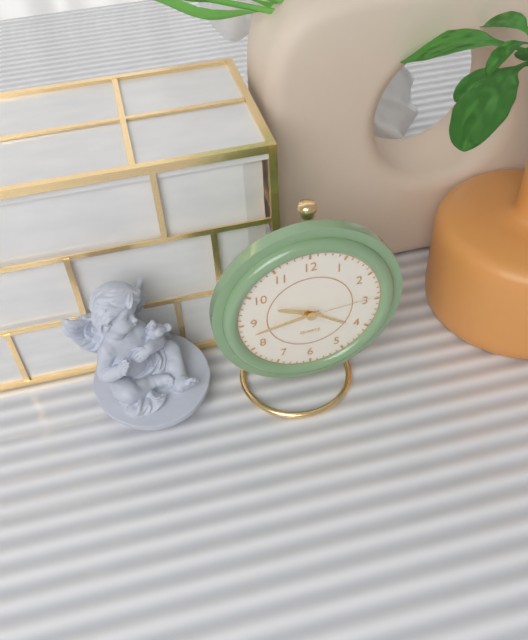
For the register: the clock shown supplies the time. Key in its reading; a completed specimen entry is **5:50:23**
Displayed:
**9:43:14**
